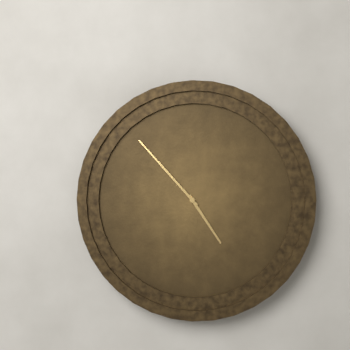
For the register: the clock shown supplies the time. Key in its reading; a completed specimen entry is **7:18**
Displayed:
**4:53**
